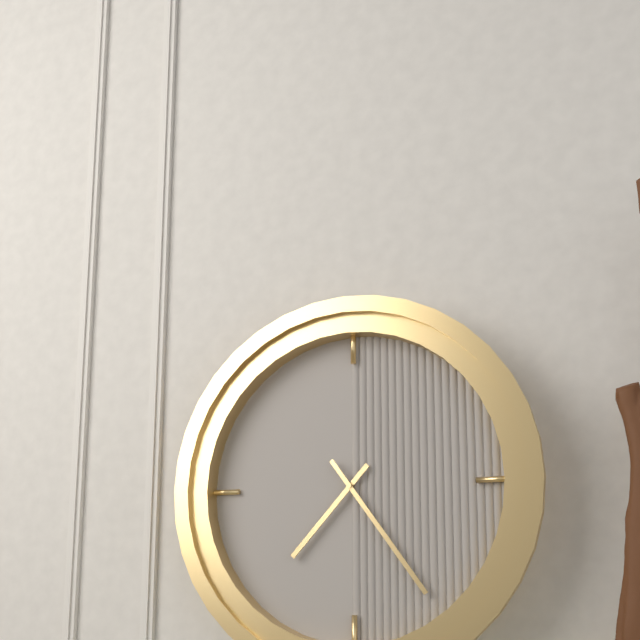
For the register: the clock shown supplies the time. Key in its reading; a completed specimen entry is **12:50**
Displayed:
**7:24**
